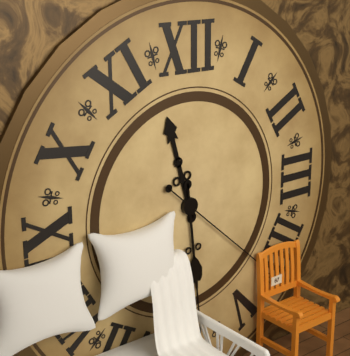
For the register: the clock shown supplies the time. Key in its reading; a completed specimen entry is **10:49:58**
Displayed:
**11:29:22**
